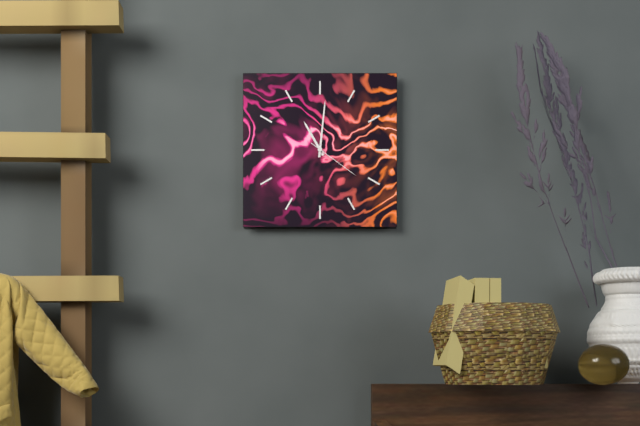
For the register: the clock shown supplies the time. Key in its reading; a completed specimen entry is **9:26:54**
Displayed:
**11:01:21**
